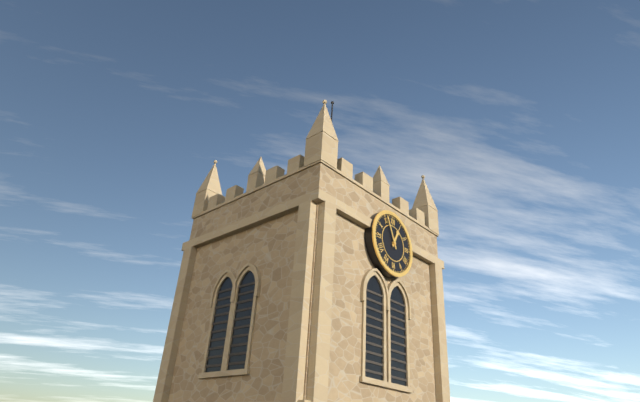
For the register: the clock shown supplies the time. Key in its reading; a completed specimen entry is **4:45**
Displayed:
**12:56**
